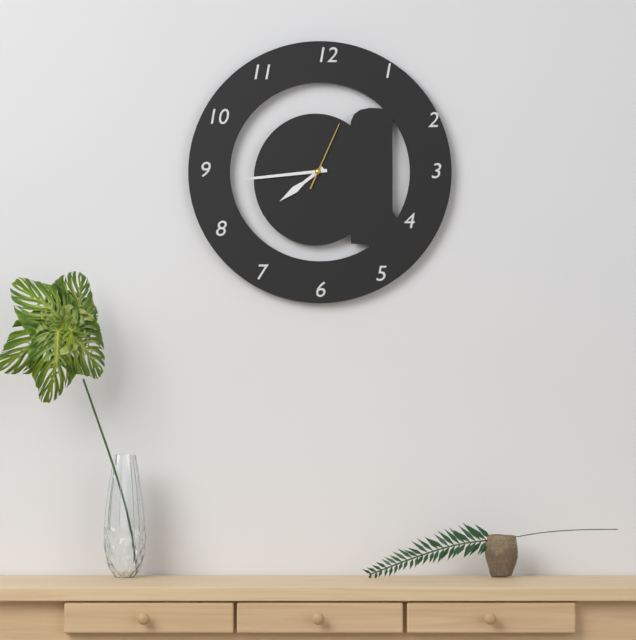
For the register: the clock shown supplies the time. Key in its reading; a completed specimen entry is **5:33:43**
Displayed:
**7:44:04**
